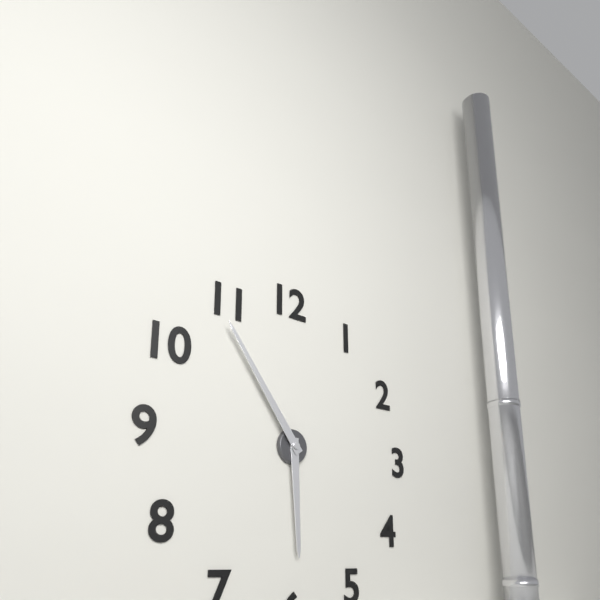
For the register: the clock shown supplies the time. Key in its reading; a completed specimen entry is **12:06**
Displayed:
**5:54**
